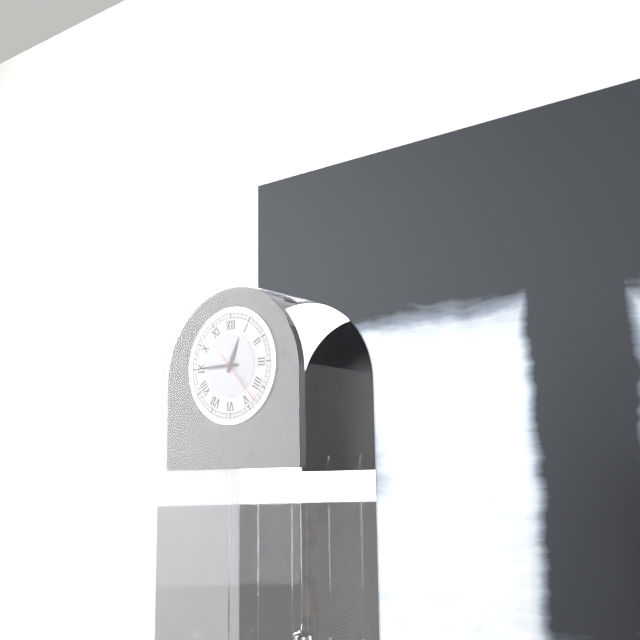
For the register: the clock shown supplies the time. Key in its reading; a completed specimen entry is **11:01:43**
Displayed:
**12:45:23**
